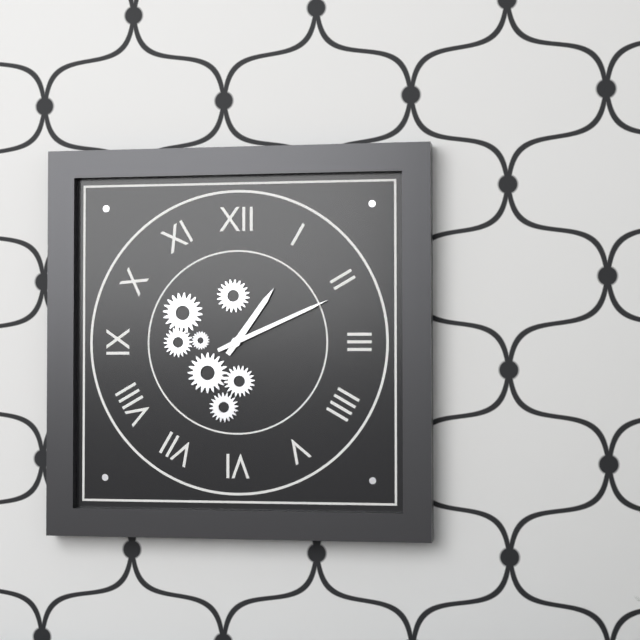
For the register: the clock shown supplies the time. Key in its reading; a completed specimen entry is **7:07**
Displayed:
**1:11**
